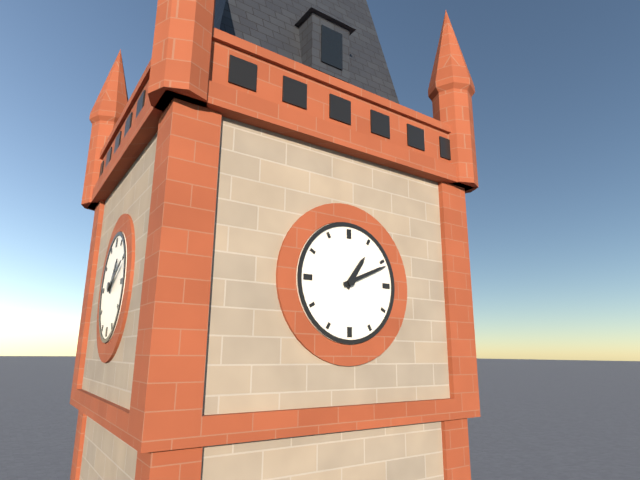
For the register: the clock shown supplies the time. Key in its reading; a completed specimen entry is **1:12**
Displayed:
**1:11**
